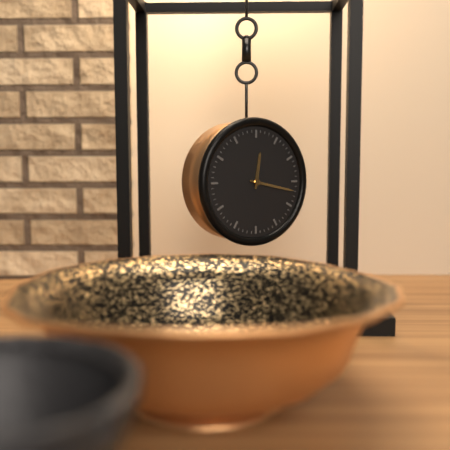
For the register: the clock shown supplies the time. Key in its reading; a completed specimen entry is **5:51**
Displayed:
**12:17**
